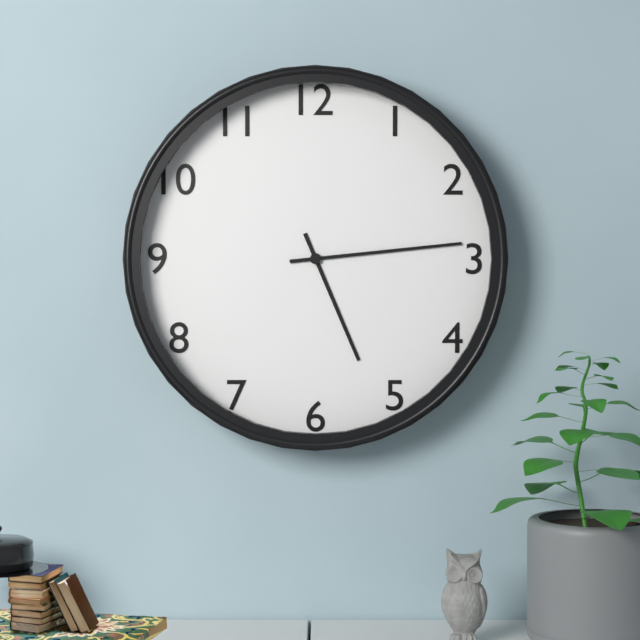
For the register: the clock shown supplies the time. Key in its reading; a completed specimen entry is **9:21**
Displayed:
**5:14**
